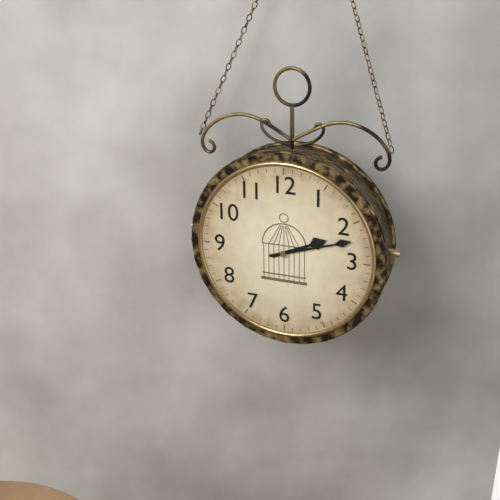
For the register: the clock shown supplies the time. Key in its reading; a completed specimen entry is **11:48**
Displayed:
**2:12**
